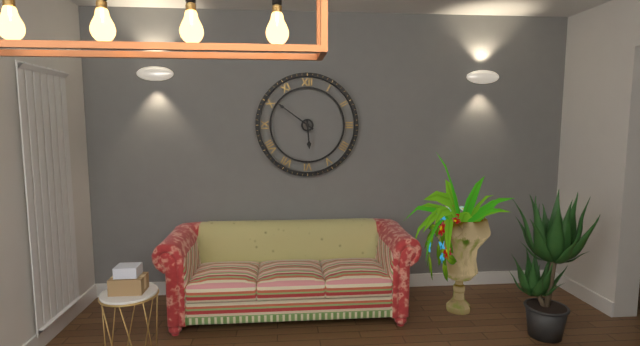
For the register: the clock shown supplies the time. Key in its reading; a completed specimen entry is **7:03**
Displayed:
**5:51**
